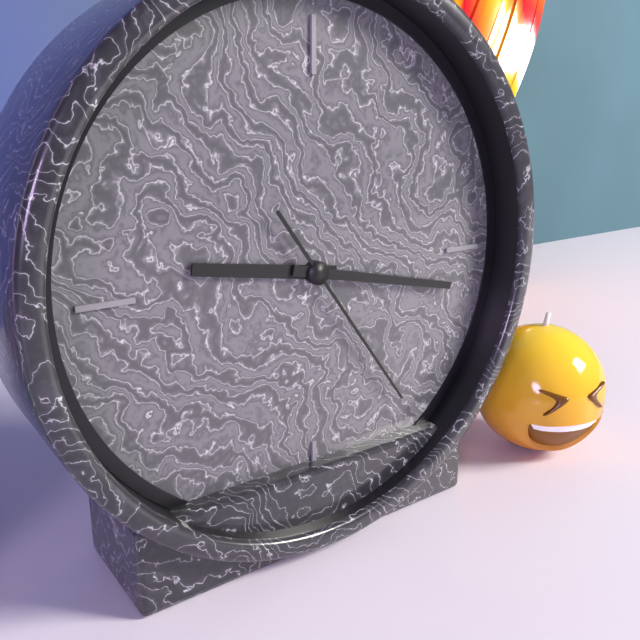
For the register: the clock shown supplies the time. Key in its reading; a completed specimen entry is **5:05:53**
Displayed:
**9:17:24**
